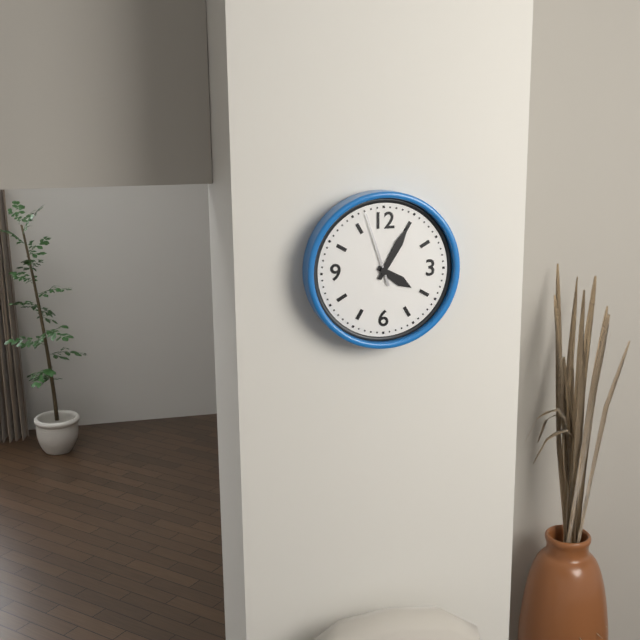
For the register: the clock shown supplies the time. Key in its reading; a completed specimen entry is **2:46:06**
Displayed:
**4:05:57**
